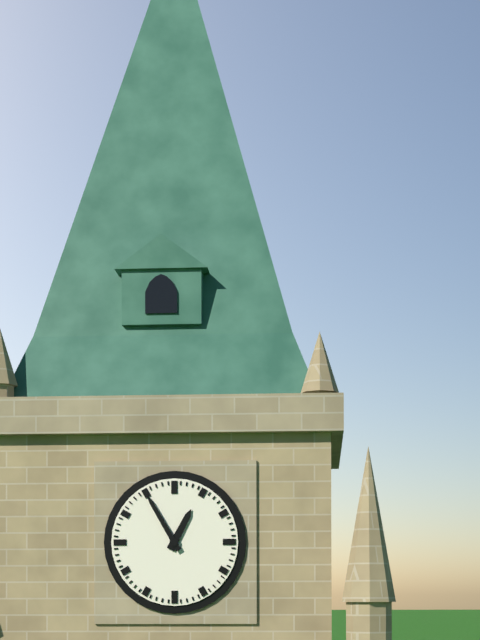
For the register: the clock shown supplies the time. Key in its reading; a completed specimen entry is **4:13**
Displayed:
**12:55**
